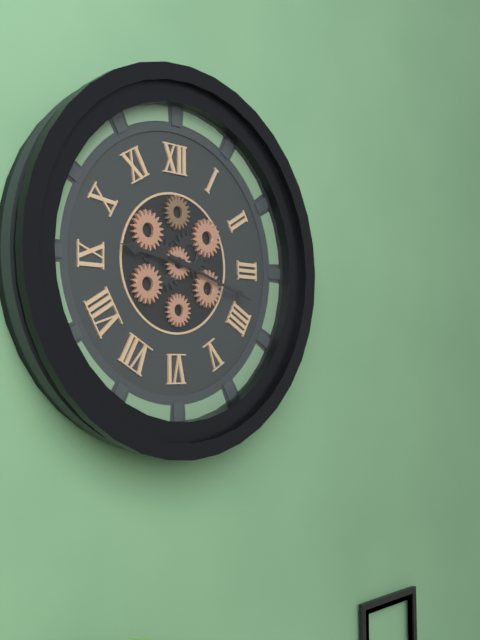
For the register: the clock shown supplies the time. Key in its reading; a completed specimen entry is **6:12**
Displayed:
**9:18**
